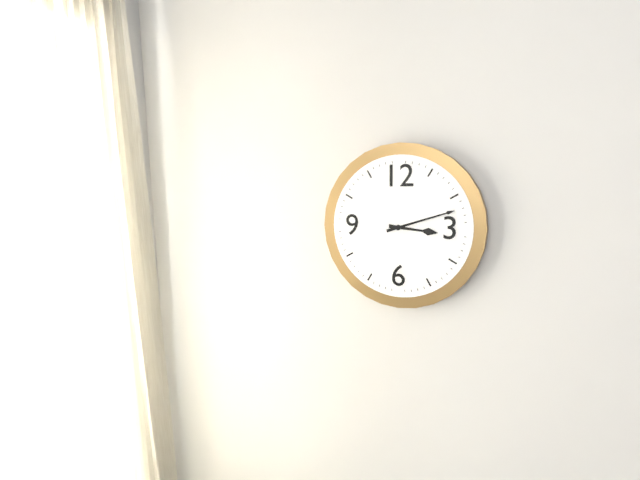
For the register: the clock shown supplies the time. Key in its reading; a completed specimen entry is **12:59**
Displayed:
**3:12**
